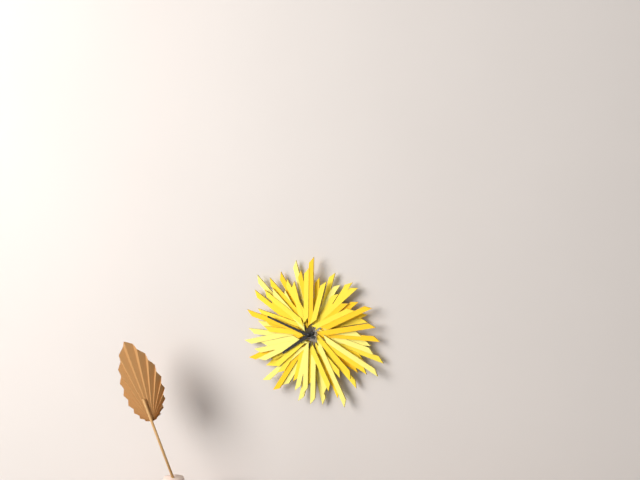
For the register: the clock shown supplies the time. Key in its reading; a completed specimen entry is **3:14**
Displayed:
**7:48**
